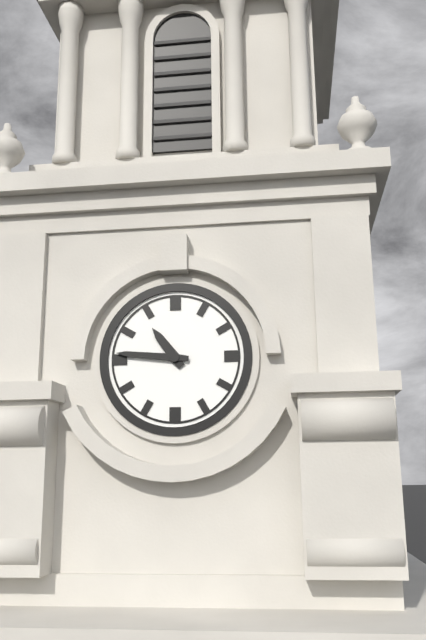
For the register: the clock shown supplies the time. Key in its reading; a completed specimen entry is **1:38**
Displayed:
**10:46**
